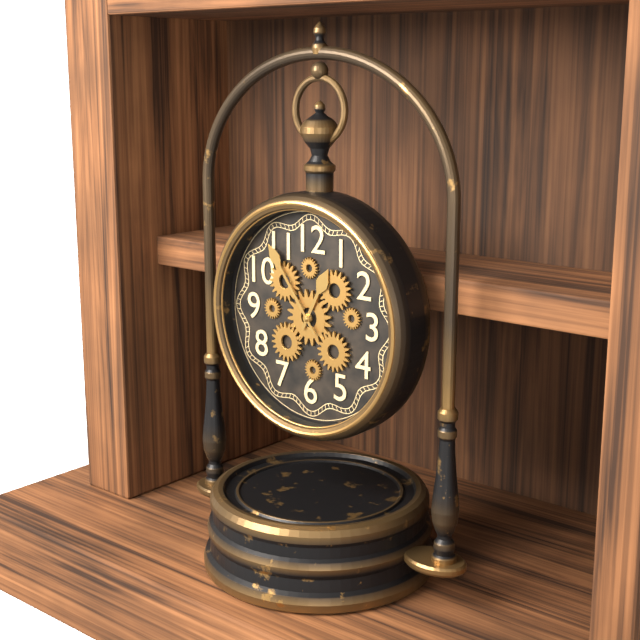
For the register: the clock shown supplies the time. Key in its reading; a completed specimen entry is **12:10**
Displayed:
**12:54**
